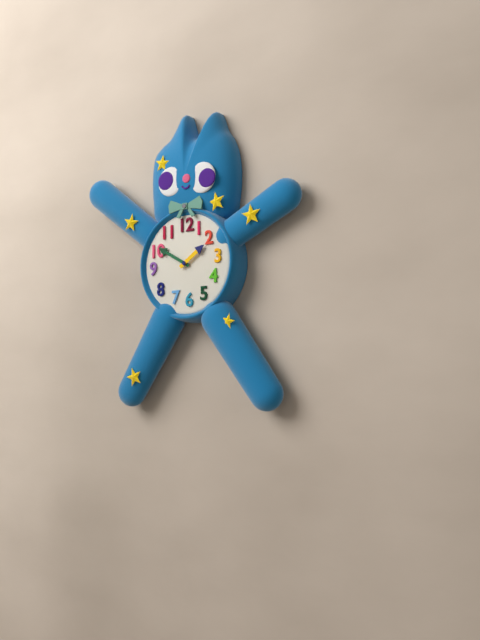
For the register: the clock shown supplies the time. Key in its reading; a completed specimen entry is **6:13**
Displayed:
**1:50**
